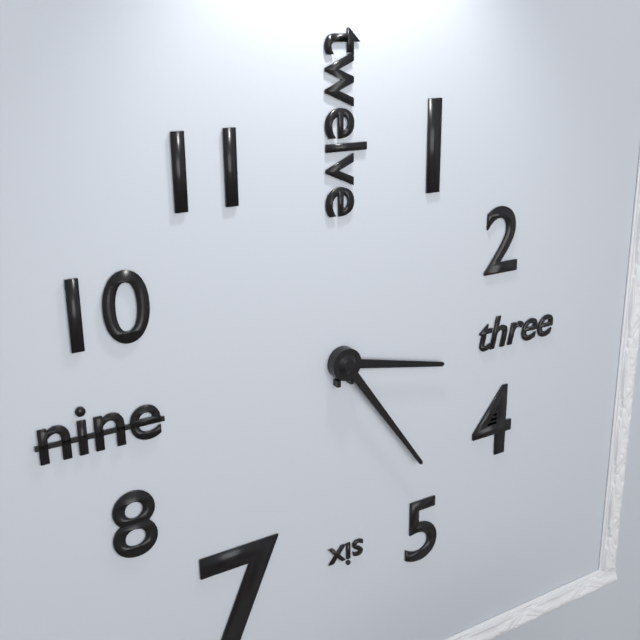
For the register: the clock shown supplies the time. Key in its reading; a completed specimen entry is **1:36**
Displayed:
**3:24**
